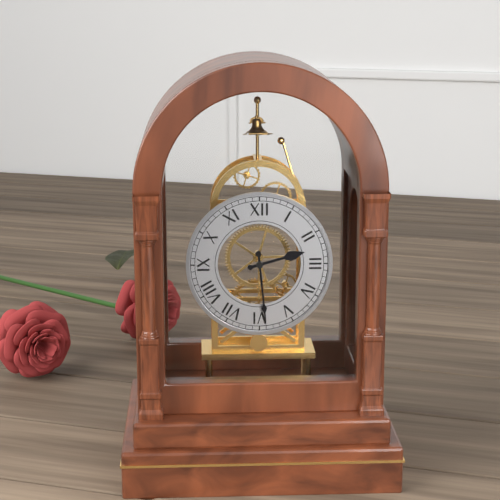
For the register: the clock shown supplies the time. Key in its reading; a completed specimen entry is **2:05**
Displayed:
**2:29**
